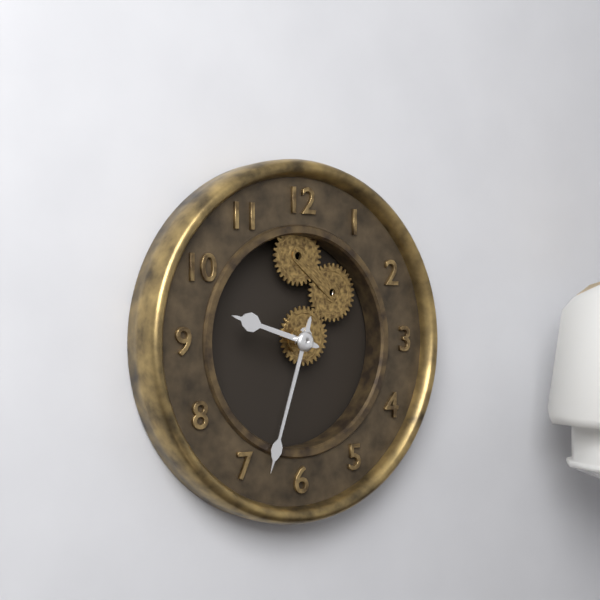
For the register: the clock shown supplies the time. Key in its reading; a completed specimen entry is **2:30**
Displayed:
**9:33**
